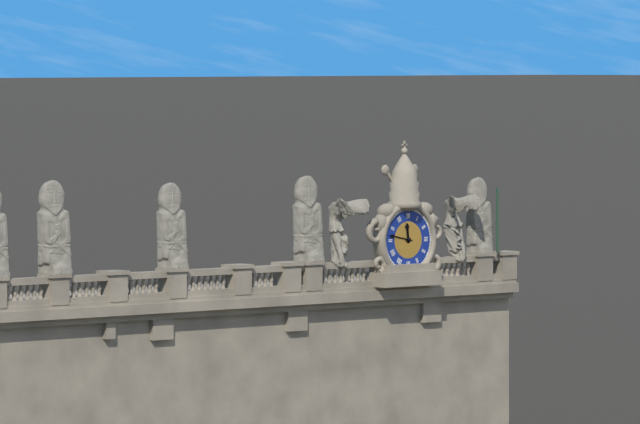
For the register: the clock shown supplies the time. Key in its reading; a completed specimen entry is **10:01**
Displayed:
**11:47**
